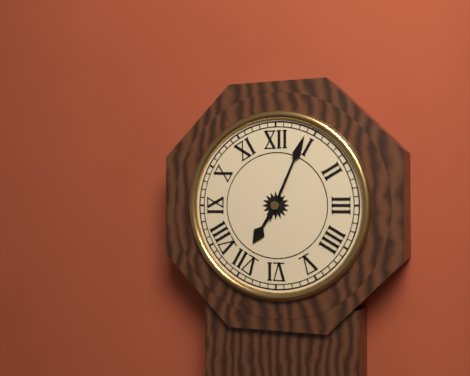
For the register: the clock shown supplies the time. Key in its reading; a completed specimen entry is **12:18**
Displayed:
**7:04**
